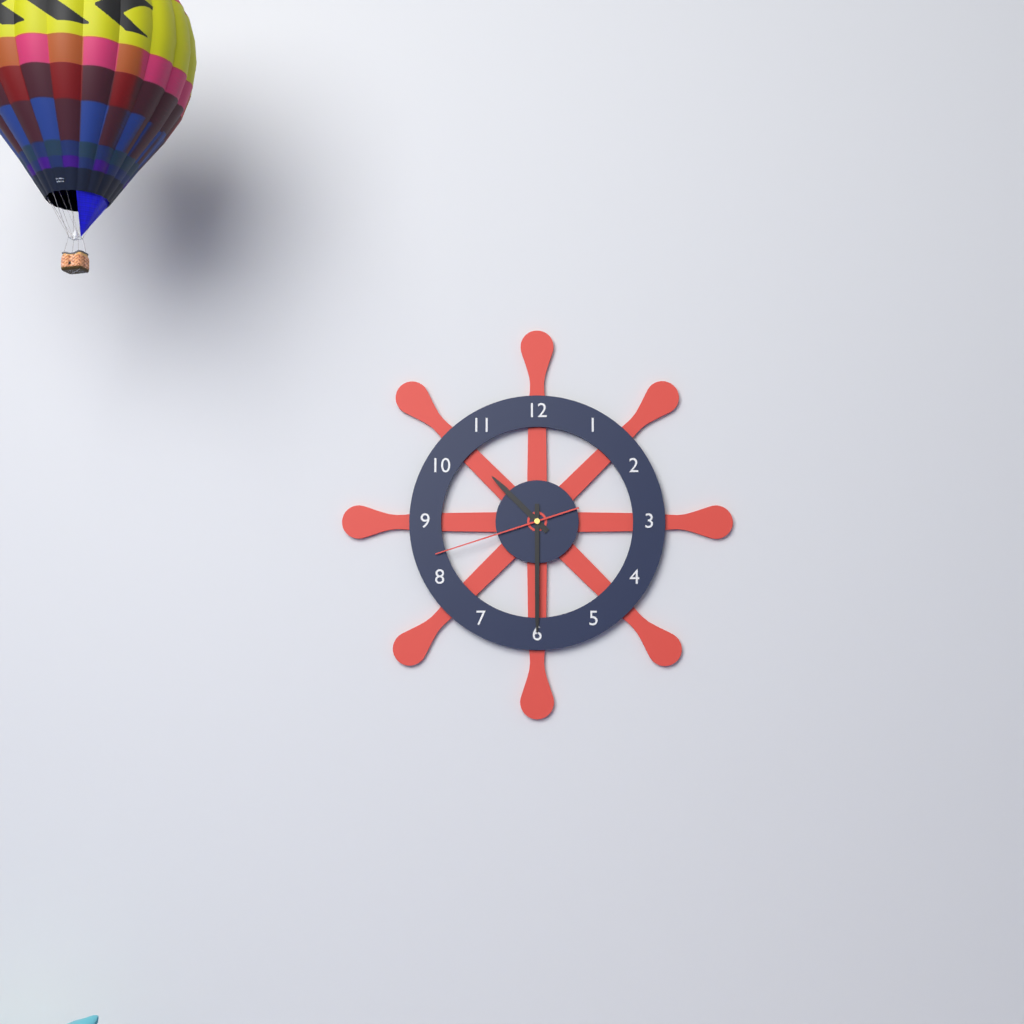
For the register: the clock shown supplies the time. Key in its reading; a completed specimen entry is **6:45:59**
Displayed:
**10:30:42**
